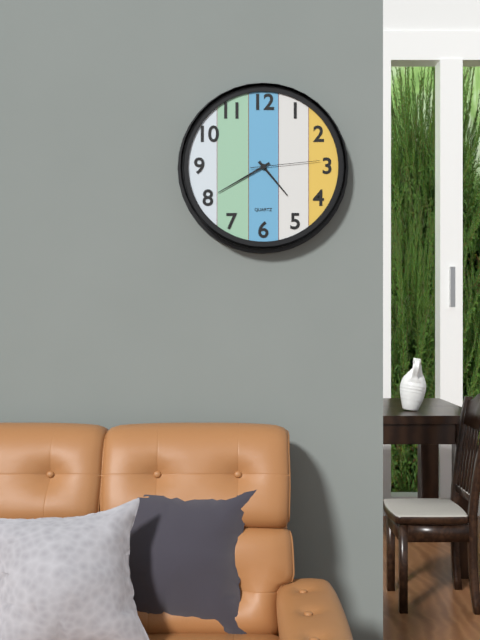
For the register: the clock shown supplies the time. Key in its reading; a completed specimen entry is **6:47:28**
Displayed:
**4:40:14**
